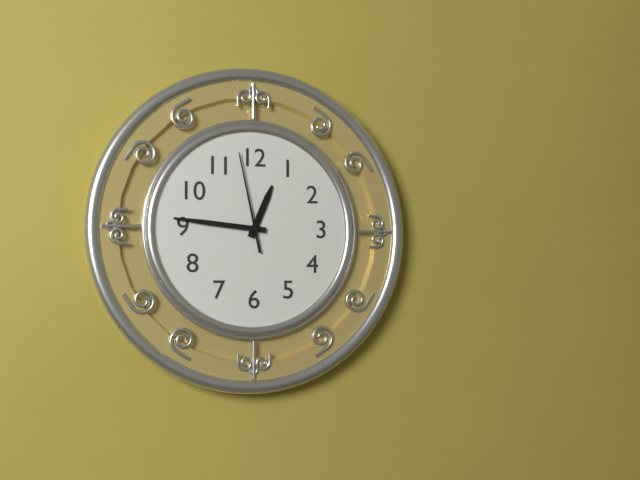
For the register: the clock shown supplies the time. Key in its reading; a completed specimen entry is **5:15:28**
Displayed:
**12:46:58**
